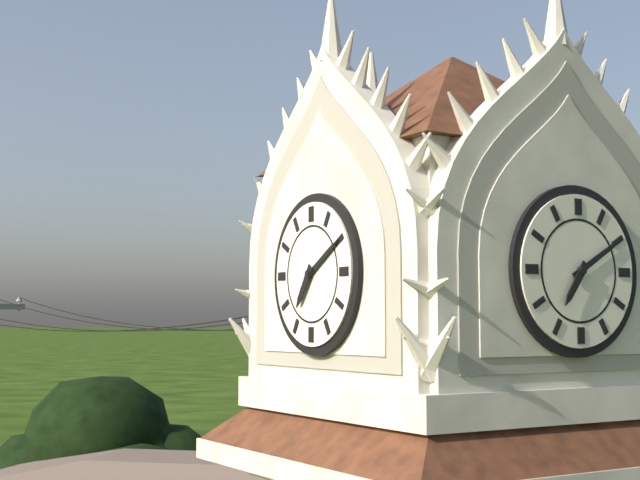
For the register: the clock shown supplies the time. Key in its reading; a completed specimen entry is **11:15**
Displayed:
**7:10**
